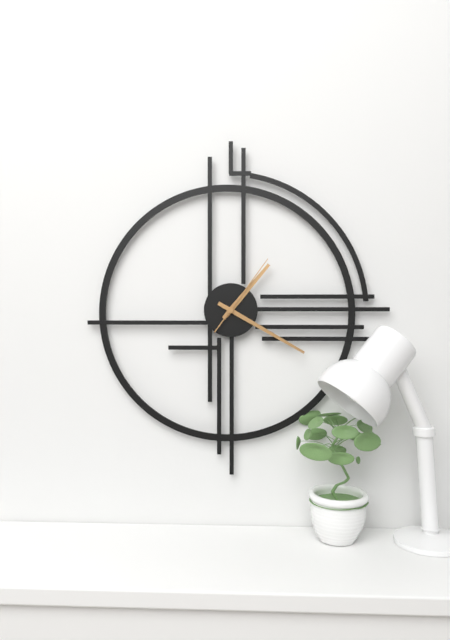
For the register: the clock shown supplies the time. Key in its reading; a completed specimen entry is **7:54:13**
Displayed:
**1:20:06**
